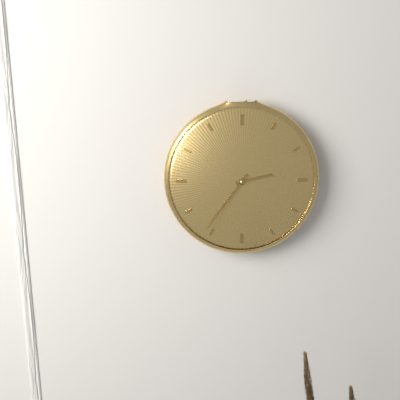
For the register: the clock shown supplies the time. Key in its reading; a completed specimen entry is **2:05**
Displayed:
**2:36**
